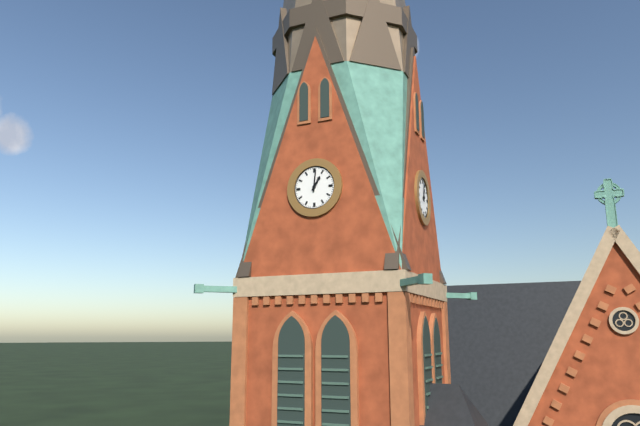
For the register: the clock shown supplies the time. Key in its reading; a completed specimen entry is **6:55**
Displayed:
**1:01**
